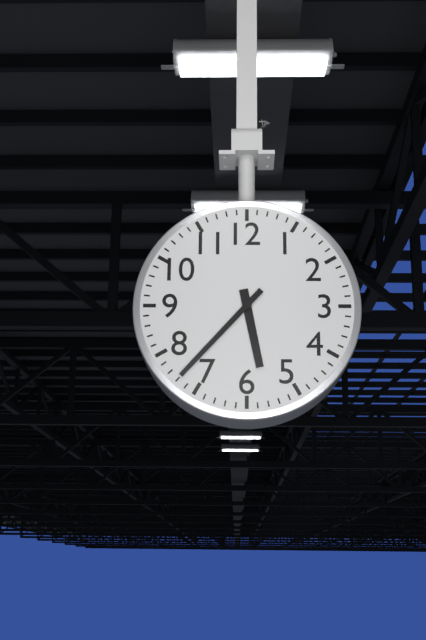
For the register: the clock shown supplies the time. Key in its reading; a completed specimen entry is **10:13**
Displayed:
**5:37**
